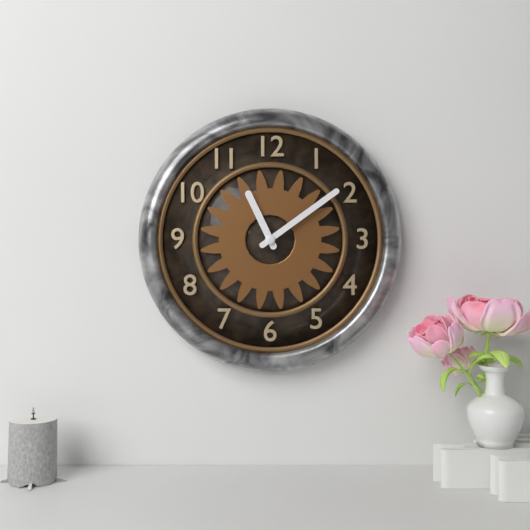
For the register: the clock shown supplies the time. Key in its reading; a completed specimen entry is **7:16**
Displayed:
**11:09**
